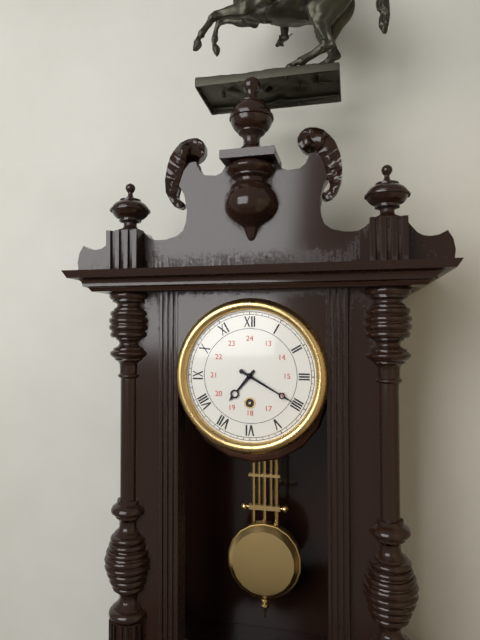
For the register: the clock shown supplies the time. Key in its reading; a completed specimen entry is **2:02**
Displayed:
**7:20**
